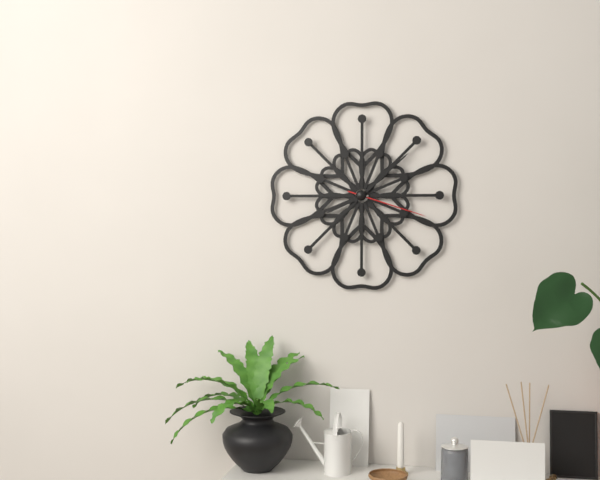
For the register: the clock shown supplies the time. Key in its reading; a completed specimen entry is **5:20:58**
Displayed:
**8:08:18**
